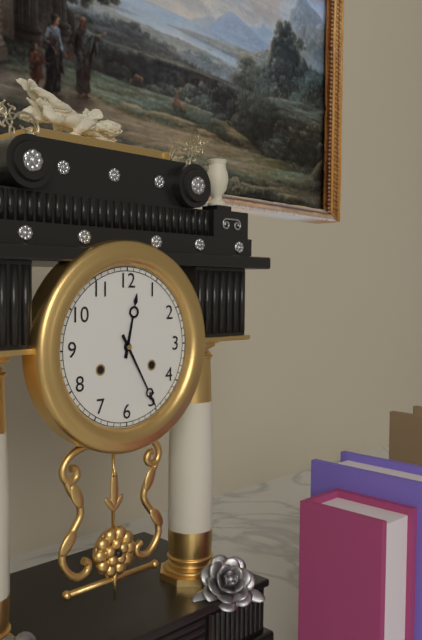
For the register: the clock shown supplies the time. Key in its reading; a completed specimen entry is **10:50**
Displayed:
**12:25**
